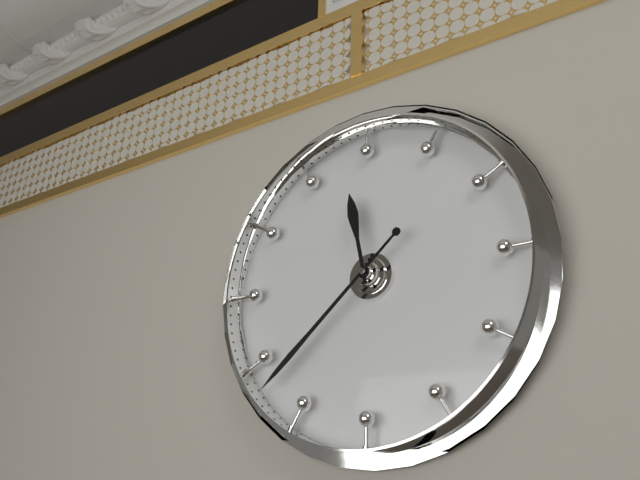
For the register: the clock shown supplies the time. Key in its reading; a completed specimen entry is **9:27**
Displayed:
**11:38**
